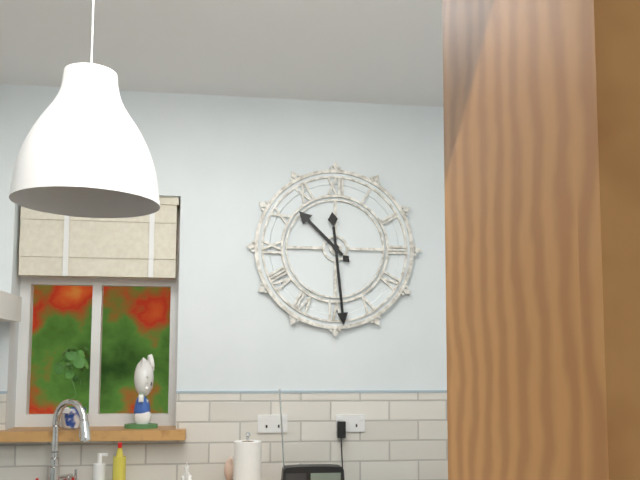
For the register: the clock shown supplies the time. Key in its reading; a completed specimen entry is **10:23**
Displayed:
**10:29**
